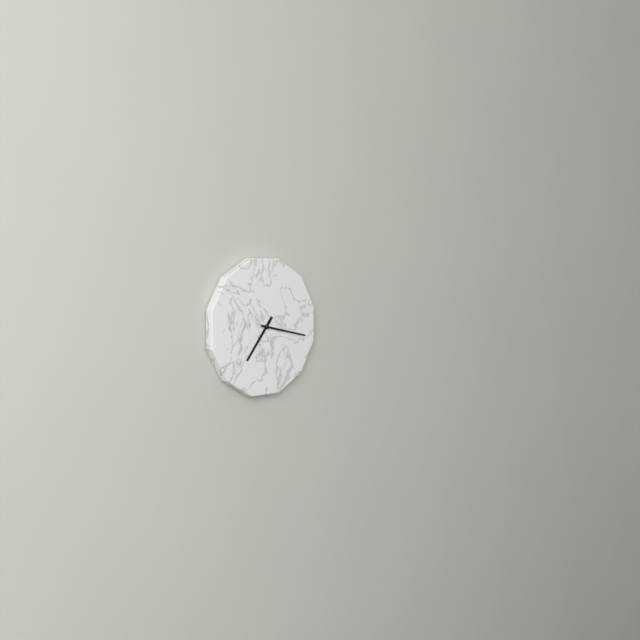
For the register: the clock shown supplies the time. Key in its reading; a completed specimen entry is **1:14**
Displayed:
**7:17**
